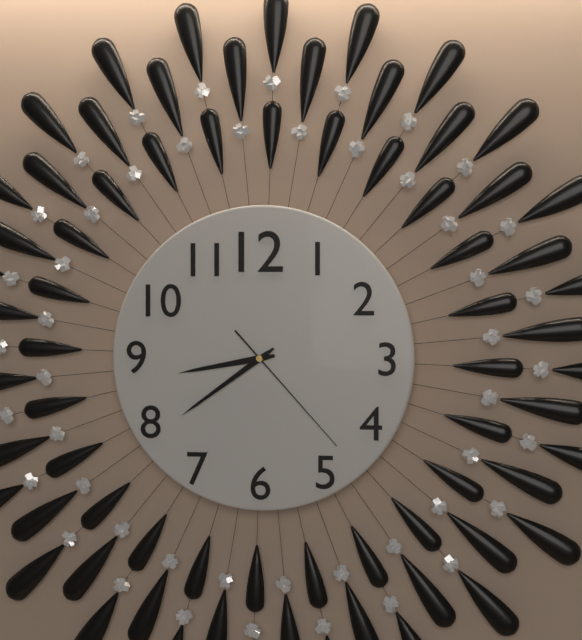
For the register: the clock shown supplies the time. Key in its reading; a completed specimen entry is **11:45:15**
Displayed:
**8:39:23**
